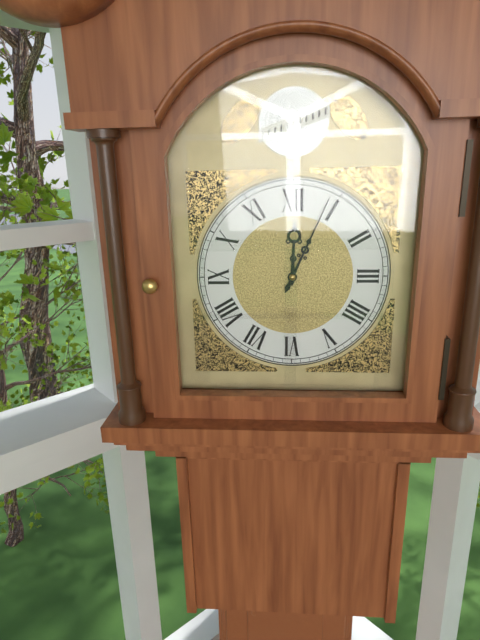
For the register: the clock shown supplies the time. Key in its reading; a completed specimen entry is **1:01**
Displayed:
**12:04**
